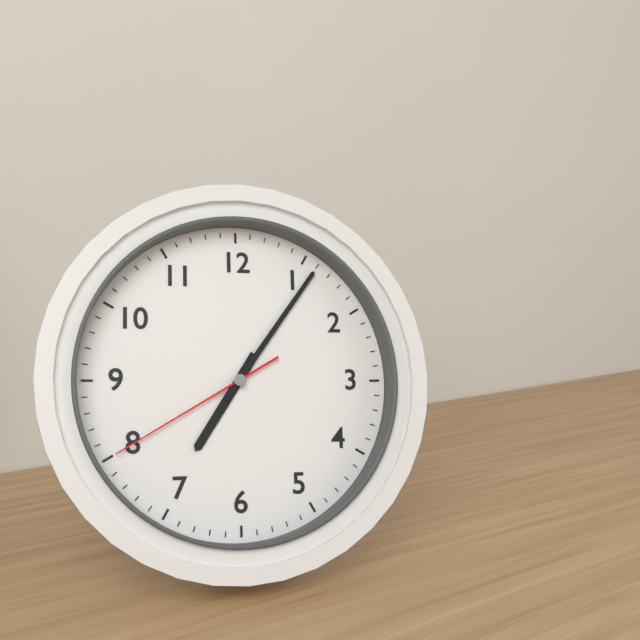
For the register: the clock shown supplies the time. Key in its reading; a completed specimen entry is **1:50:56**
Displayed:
**7:06:40**
